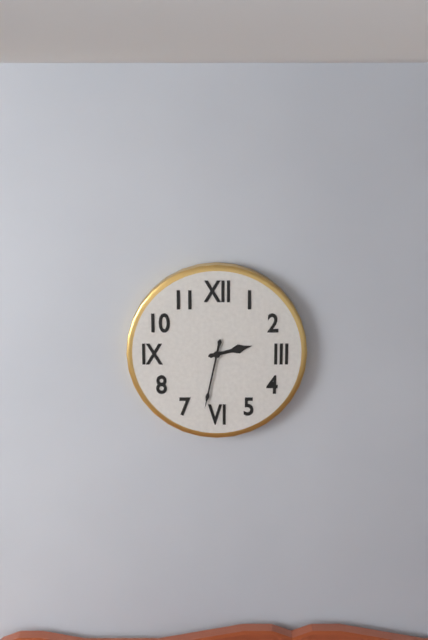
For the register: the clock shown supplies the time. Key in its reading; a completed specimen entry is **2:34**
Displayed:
**2:32**
